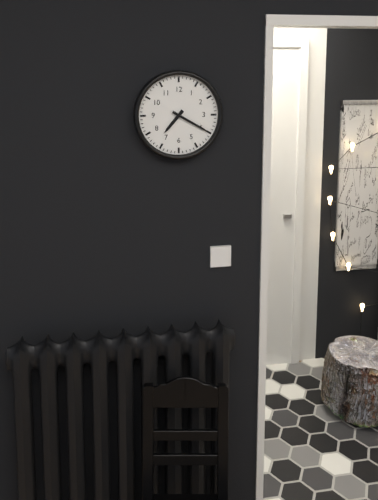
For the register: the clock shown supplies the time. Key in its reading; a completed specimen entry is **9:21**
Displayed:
**7:20**
